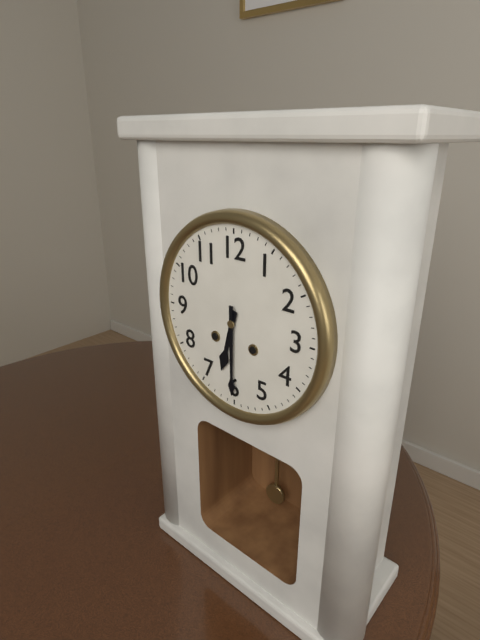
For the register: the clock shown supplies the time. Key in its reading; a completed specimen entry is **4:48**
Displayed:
**6:30**
